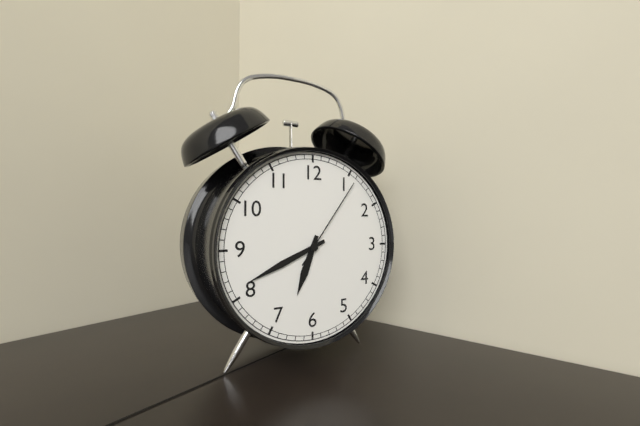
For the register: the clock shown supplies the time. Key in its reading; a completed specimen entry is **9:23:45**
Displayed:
**6:41:06**
